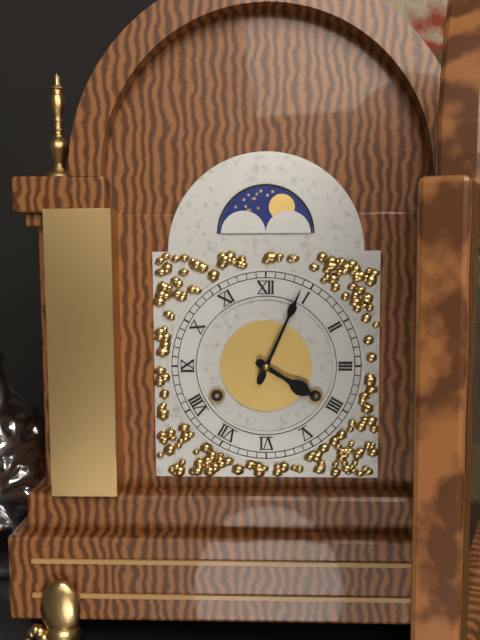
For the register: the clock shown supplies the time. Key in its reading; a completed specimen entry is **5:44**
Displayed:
**4:04**
